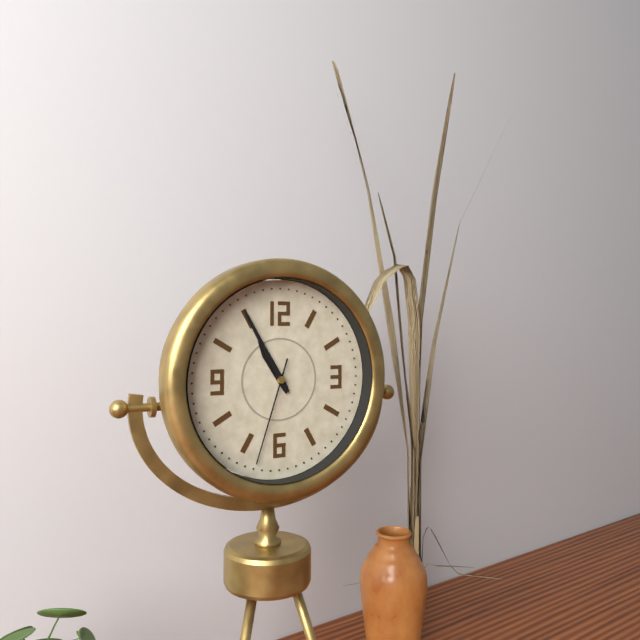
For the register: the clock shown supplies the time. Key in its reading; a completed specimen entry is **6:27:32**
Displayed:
**10:55:33**
